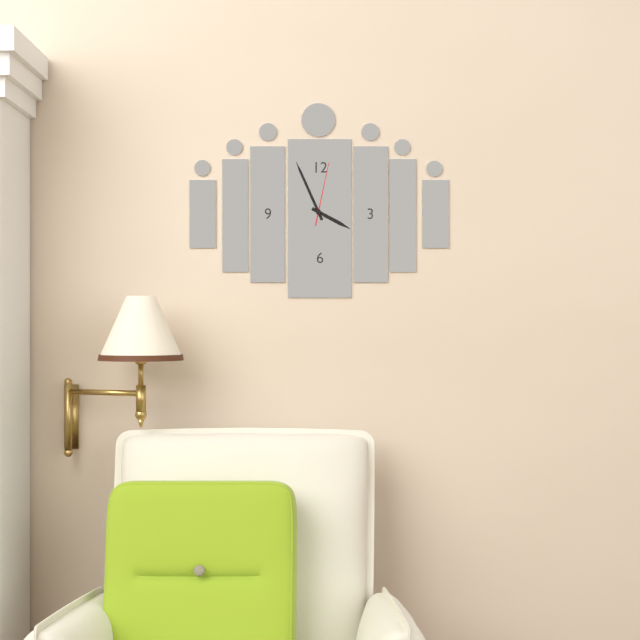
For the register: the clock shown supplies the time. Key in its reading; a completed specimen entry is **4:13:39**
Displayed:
**3:56:02**
